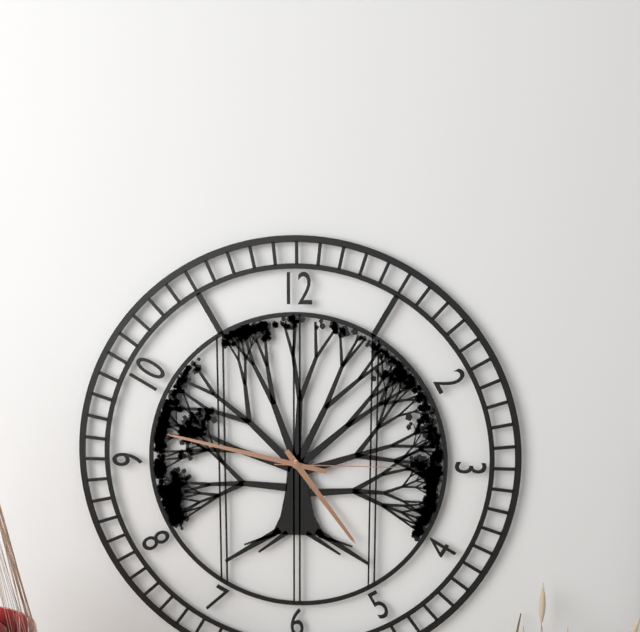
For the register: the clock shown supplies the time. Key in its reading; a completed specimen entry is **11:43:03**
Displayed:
**4:47:15**
